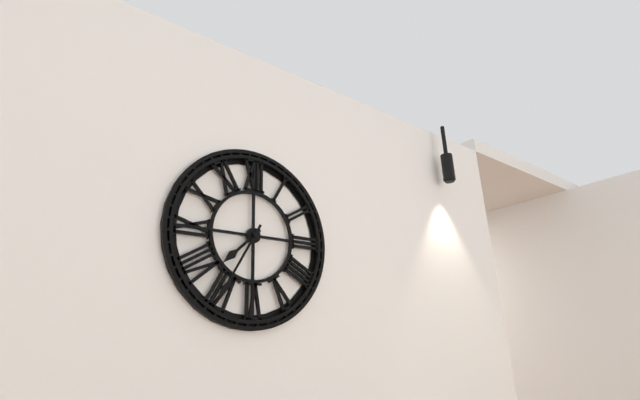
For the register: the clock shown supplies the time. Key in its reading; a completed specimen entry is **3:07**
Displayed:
**7:35**
